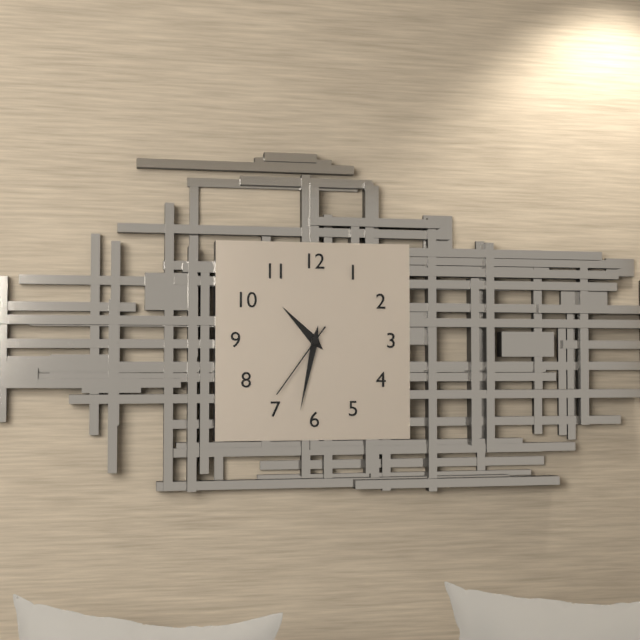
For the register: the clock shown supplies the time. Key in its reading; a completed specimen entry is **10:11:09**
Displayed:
**10:32:36**
